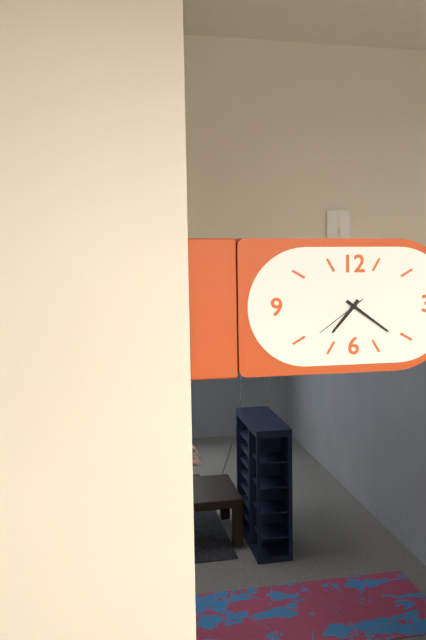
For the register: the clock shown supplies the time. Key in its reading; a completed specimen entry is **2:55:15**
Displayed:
**7:21:39**
